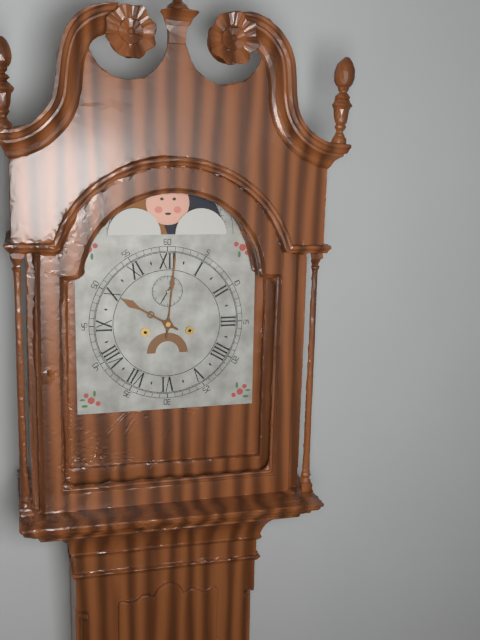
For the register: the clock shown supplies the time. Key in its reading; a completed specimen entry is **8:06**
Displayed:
**10:01**
